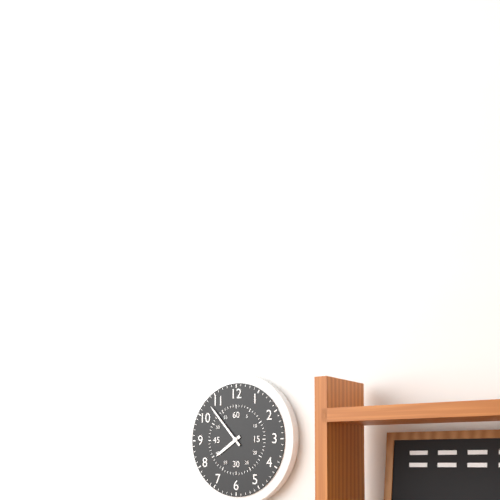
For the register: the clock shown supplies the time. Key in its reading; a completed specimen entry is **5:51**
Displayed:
**7:53**
